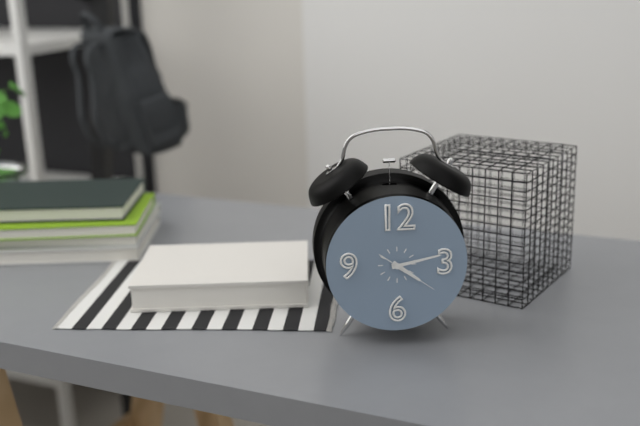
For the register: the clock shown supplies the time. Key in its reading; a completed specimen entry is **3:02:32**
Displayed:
**4:13:21**
